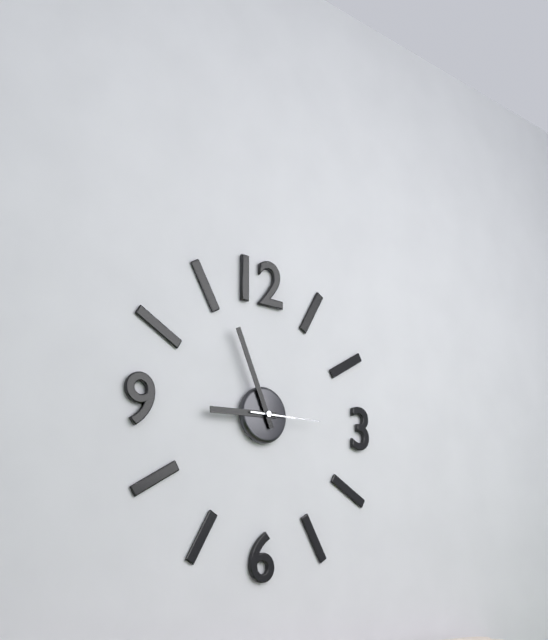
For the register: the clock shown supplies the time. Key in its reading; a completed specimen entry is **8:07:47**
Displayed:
**8:56:15**
